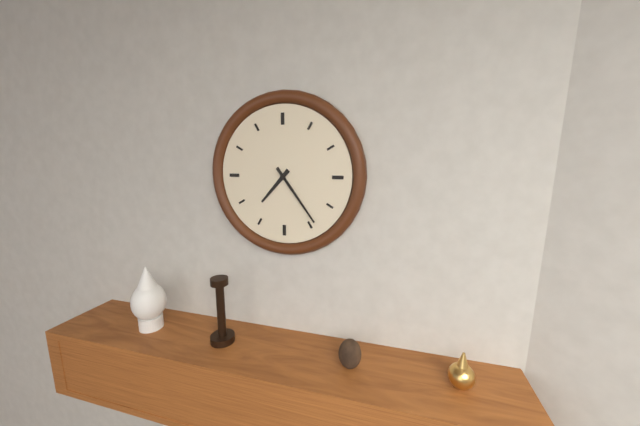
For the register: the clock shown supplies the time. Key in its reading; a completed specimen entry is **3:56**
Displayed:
**7:24**
